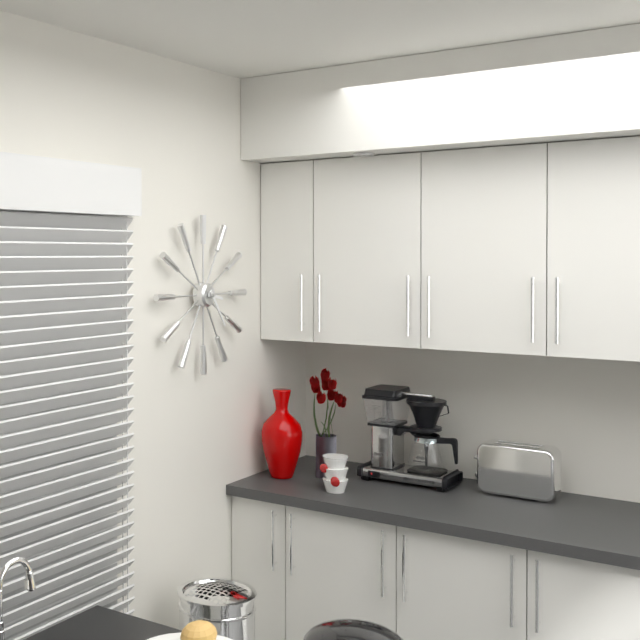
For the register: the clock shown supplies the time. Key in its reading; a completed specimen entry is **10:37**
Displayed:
**3:24**
